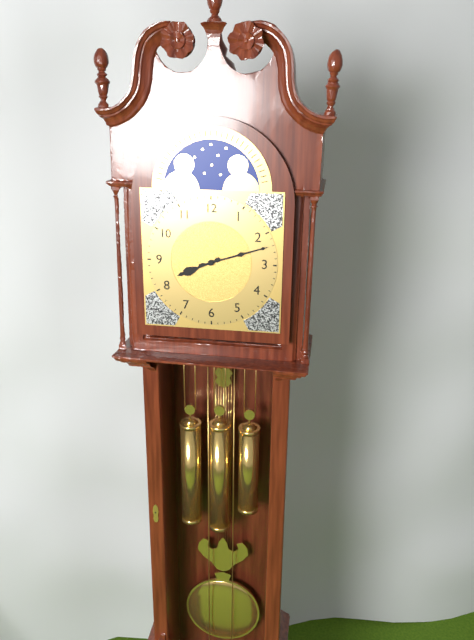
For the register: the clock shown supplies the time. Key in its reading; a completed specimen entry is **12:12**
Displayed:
**8:12**
